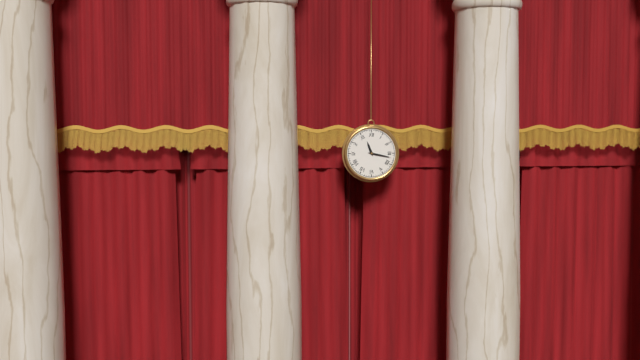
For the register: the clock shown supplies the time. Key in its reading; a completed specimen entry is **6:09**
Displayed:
**11:17**
